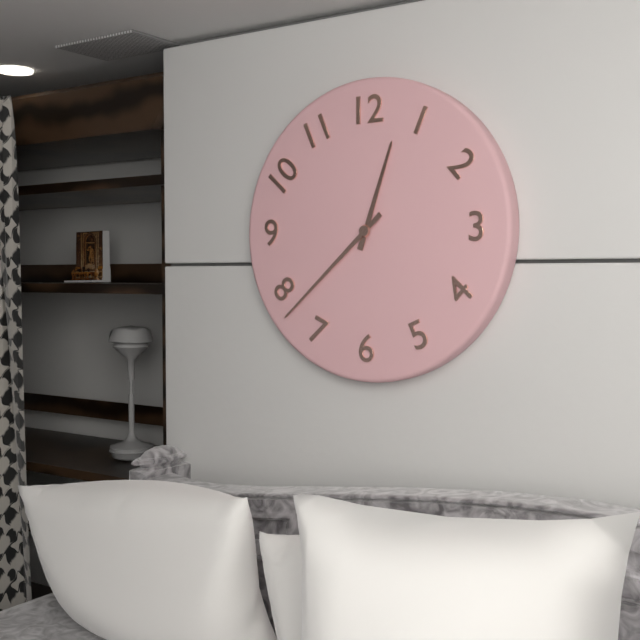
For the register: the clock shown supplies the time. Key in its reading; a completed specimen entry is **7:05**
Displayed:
**12:38**
